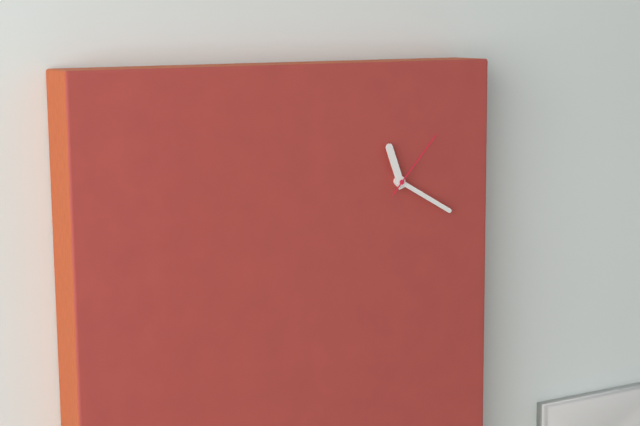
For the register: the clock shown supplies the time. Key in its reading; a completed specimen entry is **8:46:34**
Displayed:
**11:20:07**
